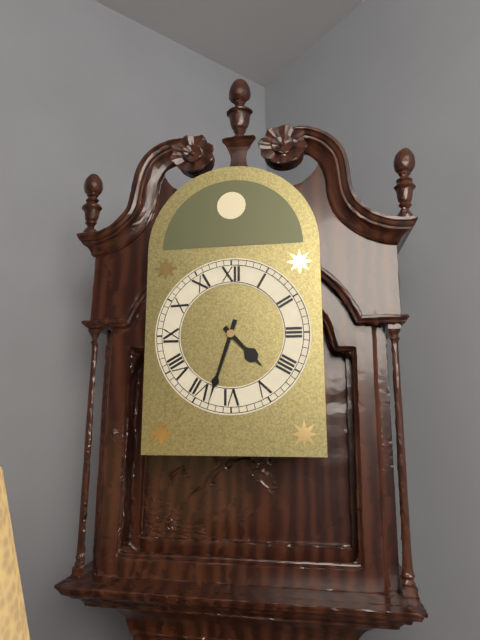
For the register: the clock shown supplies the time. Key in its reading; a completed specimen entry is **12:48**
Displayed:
**4:33**
